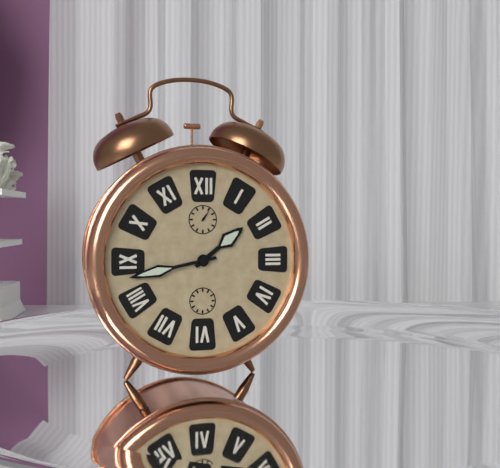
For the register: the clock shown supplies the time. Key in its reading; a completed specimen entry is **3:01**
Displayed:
**1:43**
